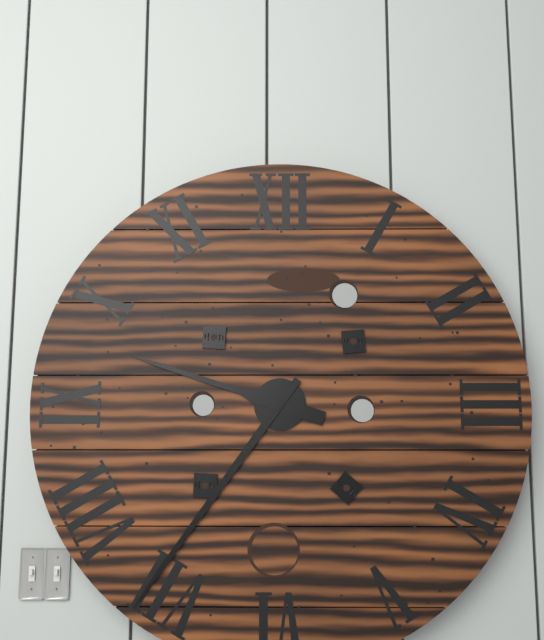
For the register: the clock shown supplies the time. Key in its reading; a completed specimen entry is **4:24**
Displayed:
**9:36**
